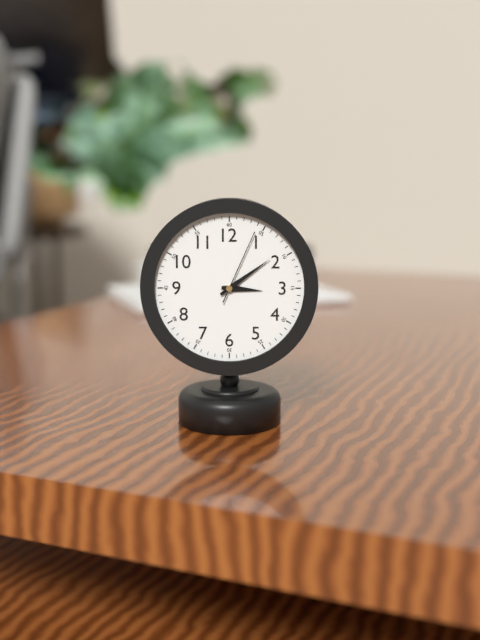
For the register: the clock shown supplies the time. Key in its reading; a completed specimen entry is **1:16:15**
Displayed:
**3:09:04**
